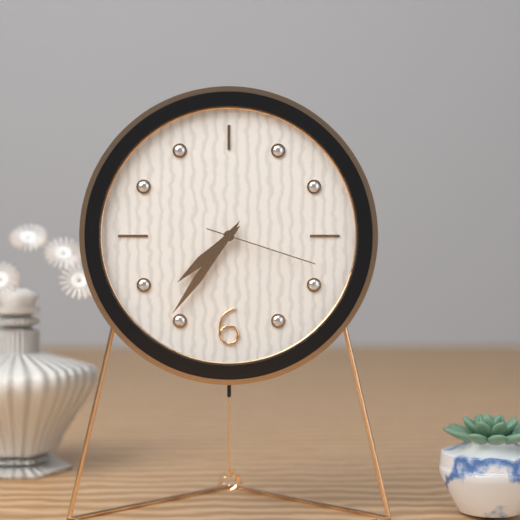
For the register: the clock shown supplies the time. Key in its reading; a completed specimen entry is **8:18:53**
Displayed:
**7:36:18**
